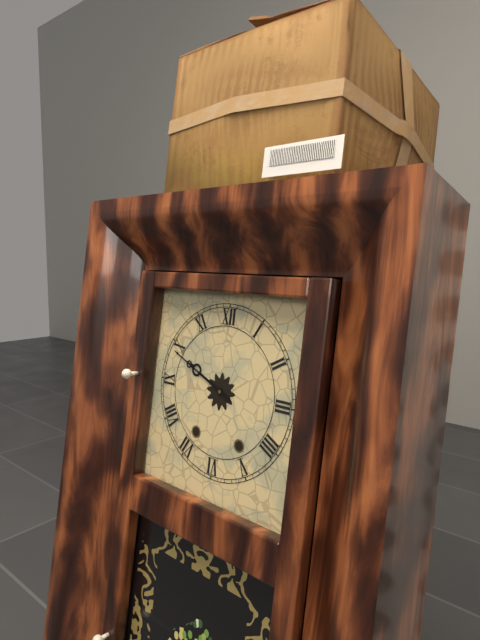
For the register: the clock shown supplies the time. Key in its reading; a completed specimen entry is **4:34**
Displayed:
**9:49**
